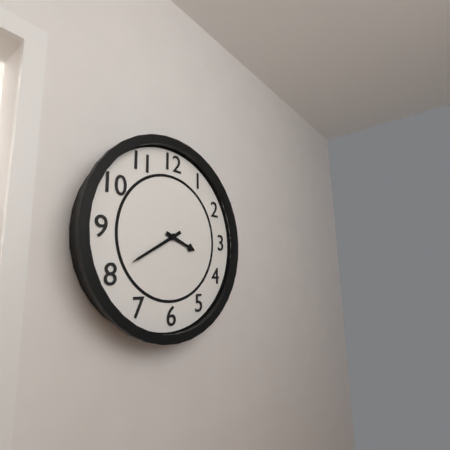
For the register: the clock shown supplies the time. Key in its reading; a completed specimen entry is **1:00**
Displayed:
**3:40**
